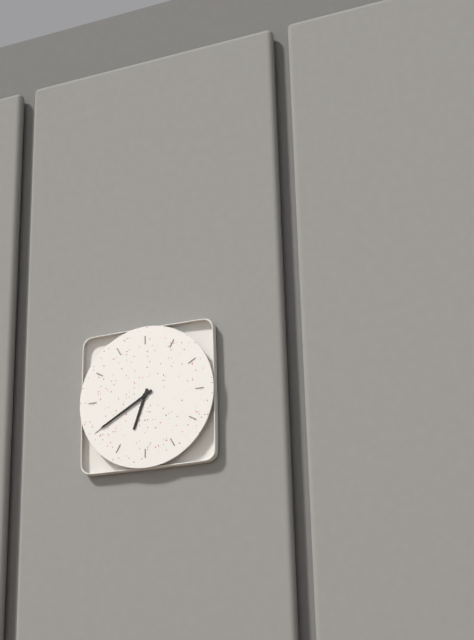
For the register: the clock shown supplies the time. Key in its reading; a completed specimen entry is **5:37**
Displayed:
**6:40**
